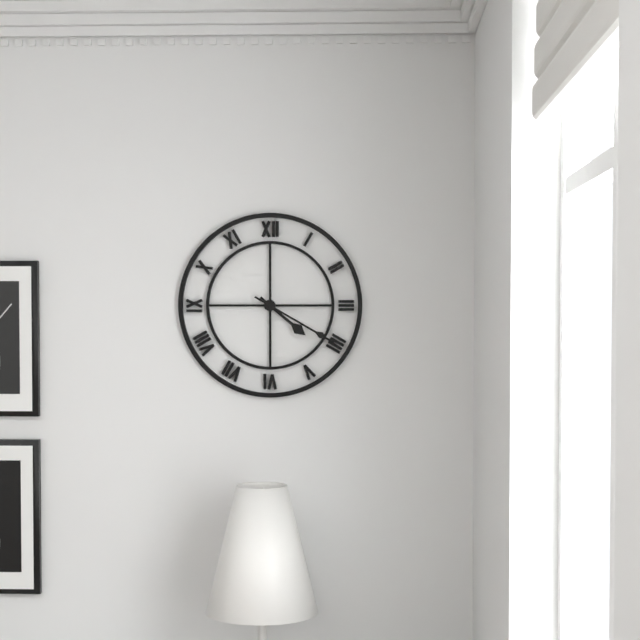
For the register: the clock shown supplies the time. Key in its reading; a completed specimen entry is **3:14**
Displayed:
**4:20**
